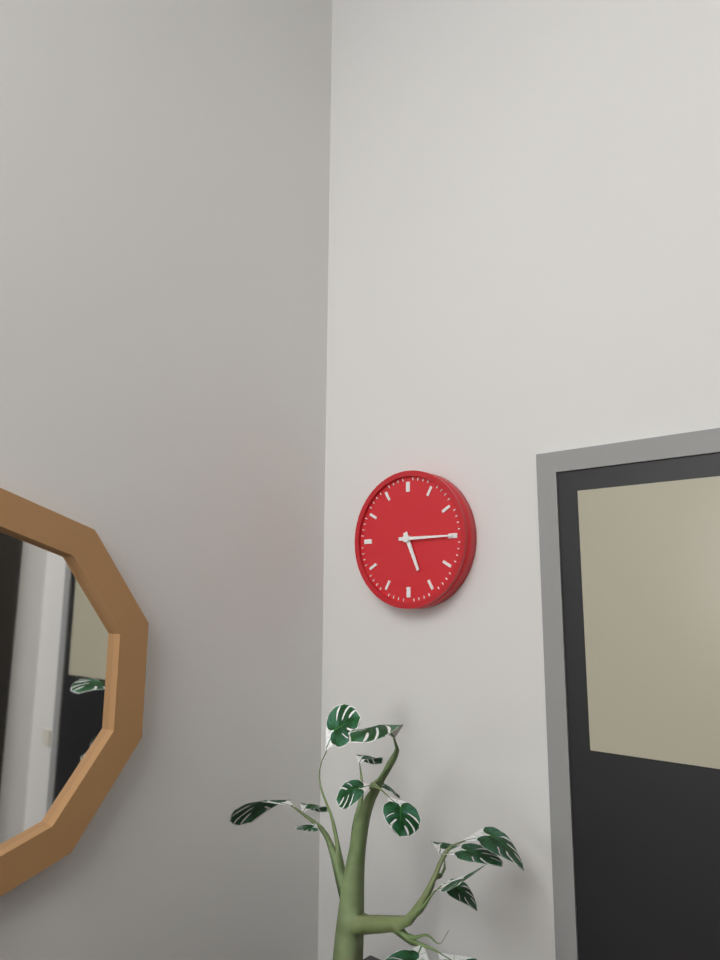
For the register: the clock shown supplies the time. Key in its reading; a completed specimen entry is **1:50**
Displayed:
**5:15**
